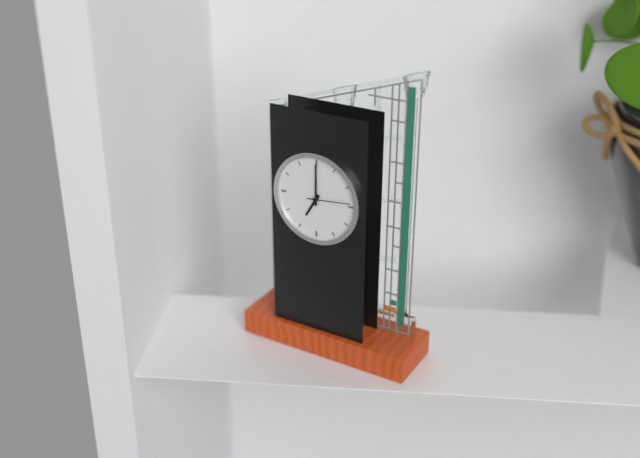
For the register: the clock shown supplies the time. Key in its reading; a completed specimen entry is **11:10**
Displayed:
**7:00**
